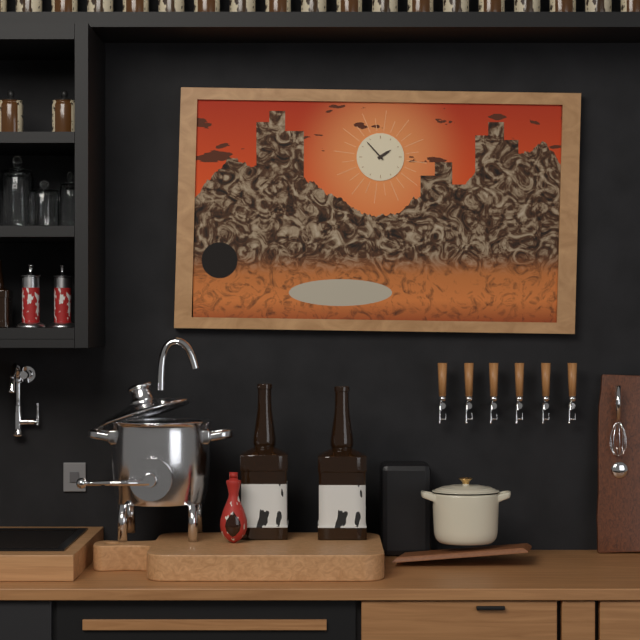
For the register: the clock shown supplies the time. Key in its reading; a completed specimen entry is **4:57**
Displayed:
**1:53**
